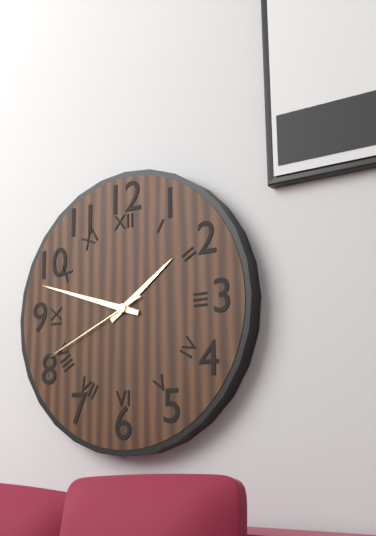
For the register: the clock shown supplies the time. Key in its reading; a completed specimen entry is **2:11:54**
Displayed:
**1:48:41**
